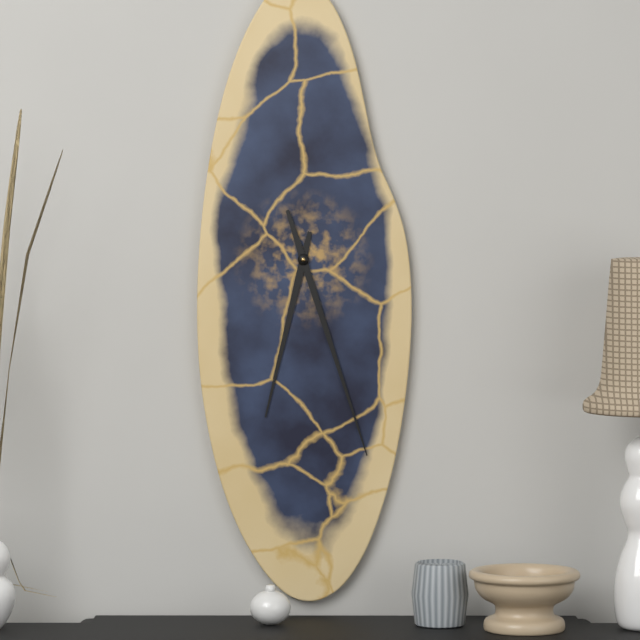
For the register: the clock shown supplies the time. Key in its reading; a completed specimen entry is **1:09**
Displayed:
**6:27**
